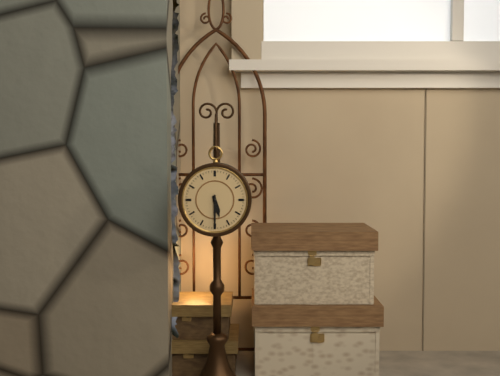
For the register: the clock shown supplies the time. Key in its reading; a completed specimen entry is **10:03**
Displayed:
**5:30**
